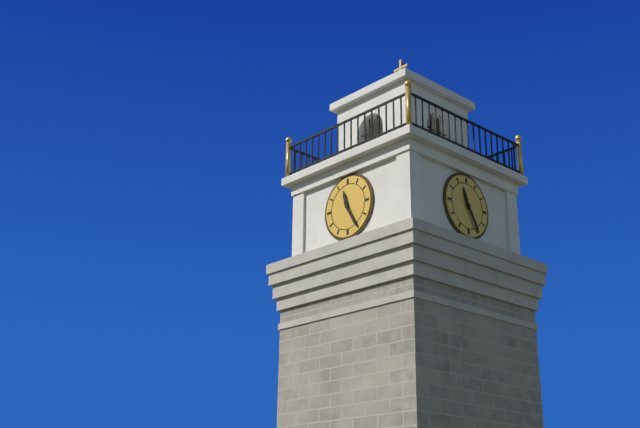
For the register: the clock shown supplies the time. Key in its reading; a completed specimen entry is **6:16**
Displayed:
**11:25**
